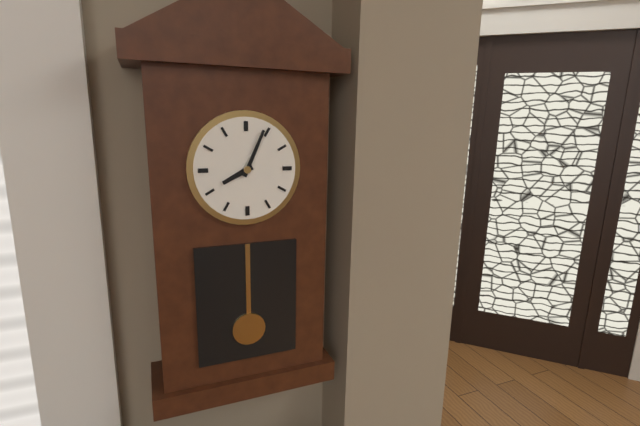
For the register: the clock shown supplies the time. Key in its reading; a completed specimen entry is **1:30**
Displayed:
**8:04**
